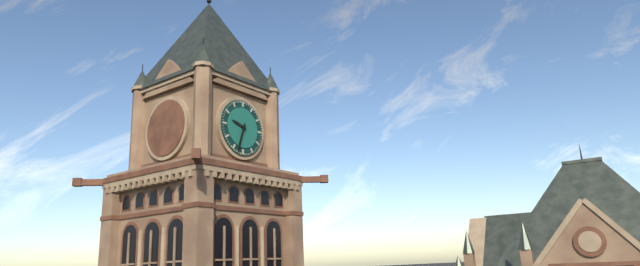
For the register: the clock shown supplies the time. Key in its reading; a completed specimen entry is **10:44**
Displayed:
**9:33**
